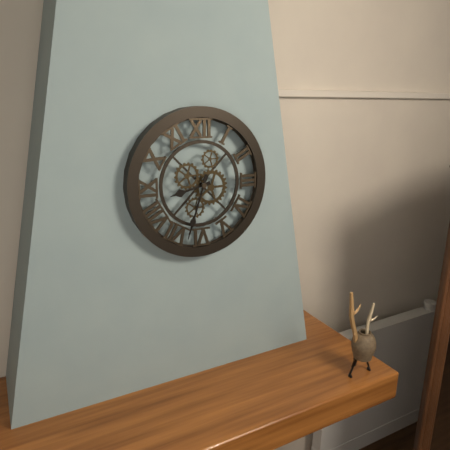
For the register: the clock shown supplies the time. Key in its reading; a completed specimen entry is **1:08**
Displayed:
**8:33**
